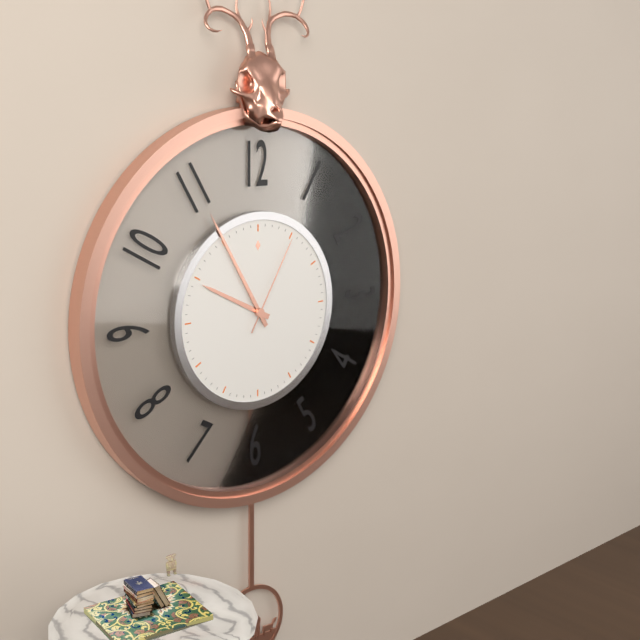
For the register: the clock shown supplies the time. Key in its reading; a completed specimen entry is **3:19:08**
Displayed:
**9:55:05**
